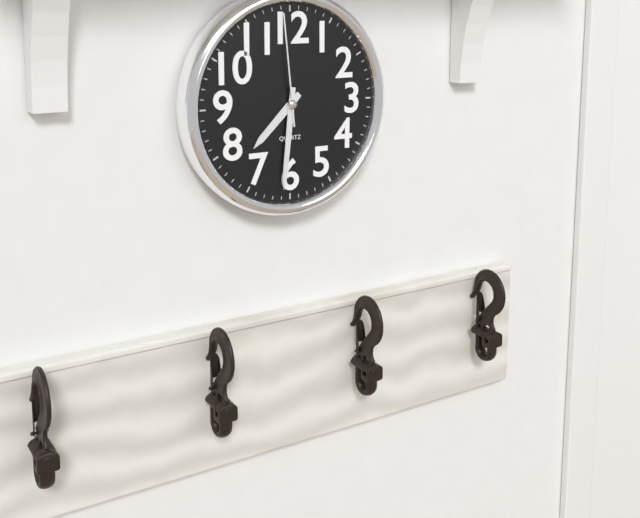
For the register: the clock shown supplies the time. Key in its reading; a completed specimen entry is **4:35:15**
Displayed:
**7:31:59**
